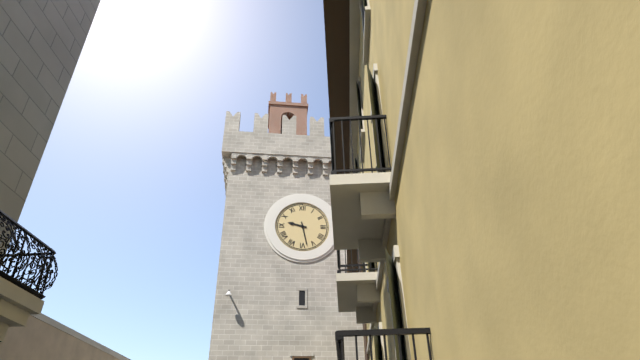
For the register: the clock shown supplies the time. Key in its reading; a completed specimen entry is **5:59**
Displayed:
**9:28**
